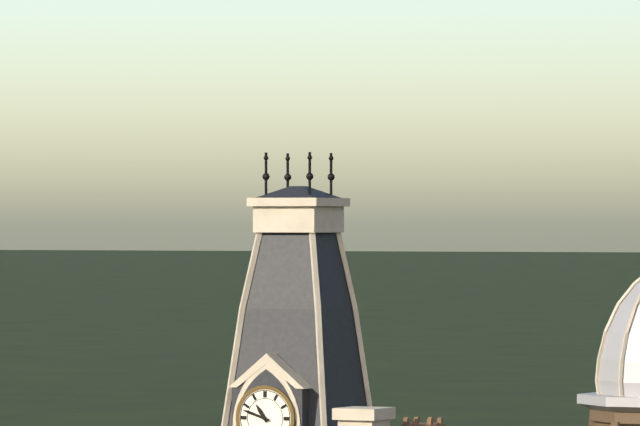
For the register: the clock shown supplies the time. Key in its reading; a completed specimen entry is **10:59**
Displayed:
**10:48**
